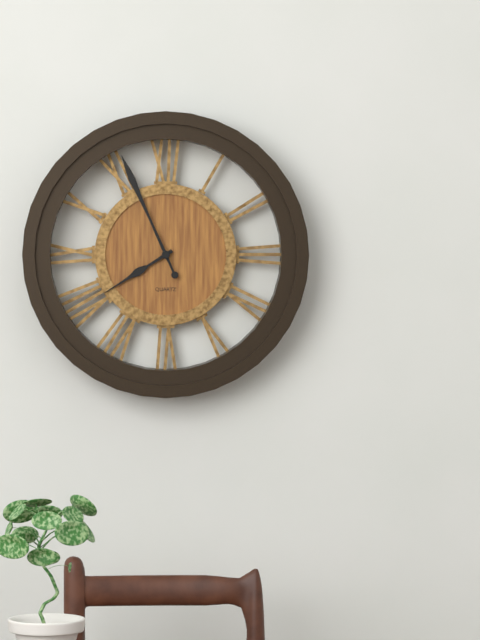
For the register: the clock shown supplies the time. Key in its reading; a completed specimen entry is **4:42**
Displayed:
**7:56**
